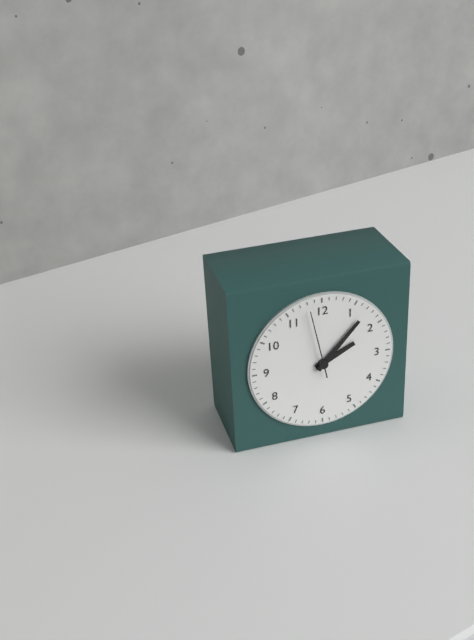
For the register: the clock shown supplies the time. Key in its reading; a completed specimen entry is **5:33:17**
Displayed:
**2:07:58**
